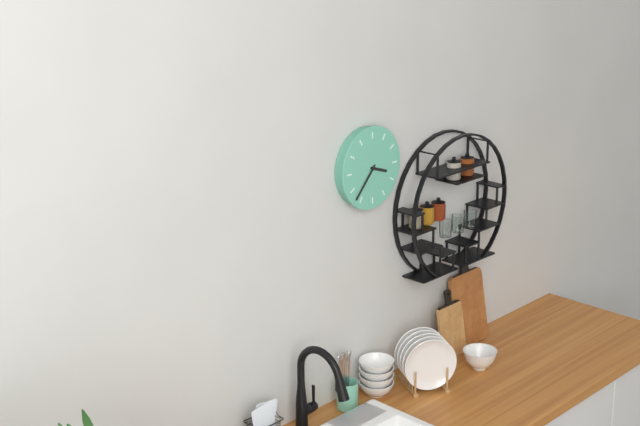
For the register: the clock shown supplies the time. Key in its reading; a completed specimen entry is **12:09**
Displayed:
**3:37**
